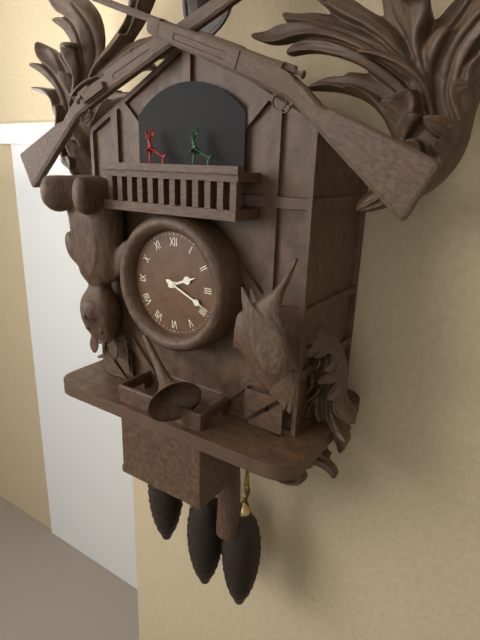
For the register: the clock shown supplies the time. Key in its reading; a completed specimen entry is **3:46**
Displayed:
**2:19**
